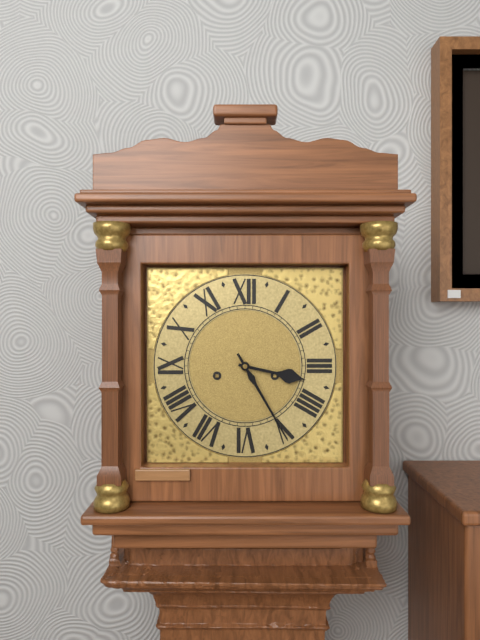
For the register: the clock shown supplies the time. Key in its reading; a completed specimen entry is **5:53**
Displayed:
**3:25**
